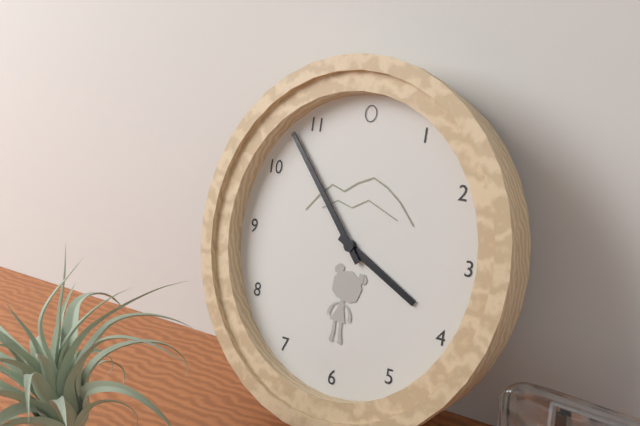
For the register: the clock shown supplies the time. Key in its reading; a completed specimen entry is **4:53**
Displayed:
**3:53**
